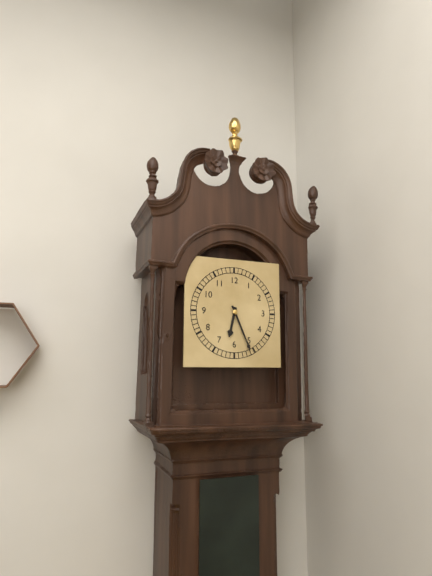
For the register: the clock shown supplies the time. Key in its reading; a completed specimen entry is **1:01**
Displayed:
**6:26**
